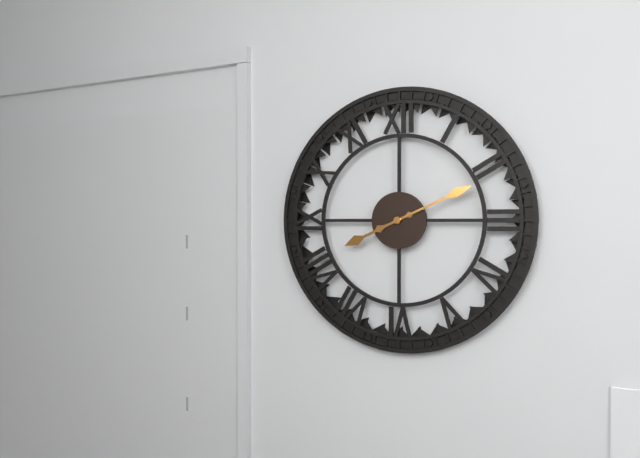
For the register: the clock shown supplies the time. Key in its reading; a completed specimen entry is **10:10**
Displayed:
**8:11**
